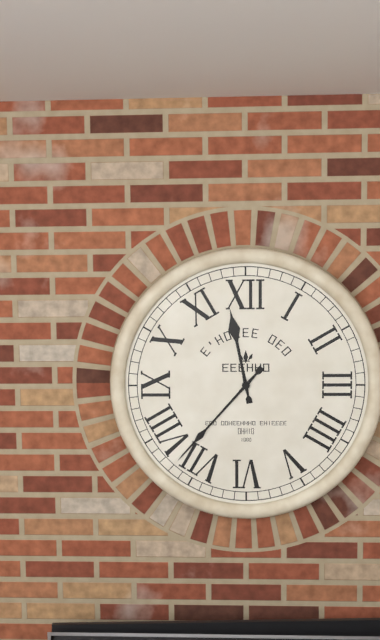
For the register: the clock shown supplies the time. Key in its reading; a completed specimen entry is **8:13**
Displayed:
**11:37**
